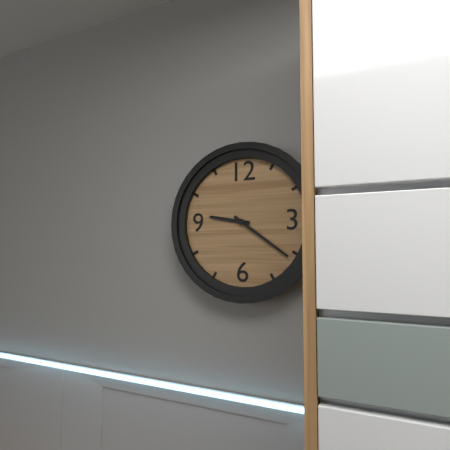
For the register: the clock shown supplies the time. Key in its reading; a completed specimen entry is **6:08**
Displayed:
**9:21**
